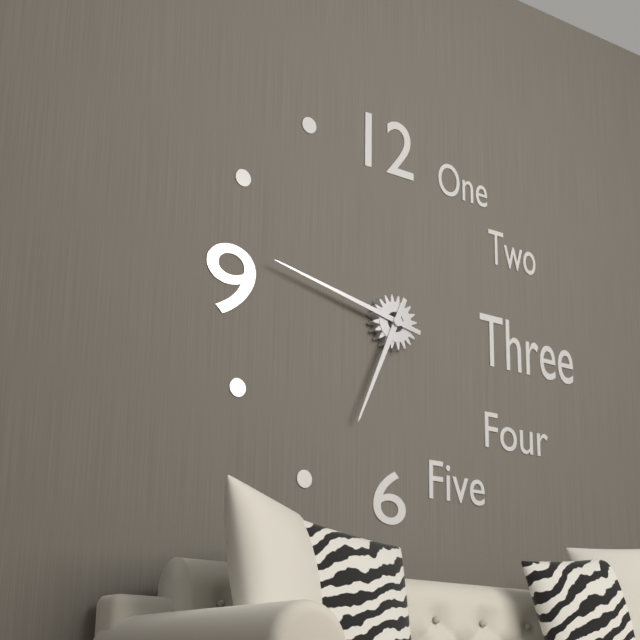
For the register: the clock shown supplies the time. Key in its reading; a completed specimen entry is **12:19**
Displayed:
**6:47**
